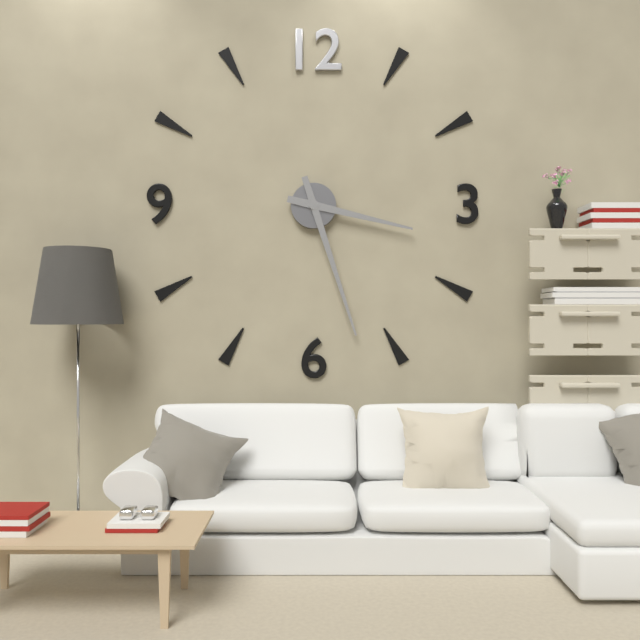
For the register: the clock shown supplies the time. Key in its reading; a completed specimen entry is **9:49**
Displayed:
**3:27**
